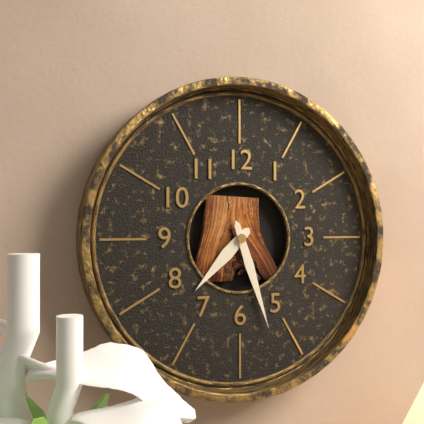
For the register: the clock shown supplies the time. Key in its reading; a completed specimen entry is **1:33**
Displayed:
**7:27**
